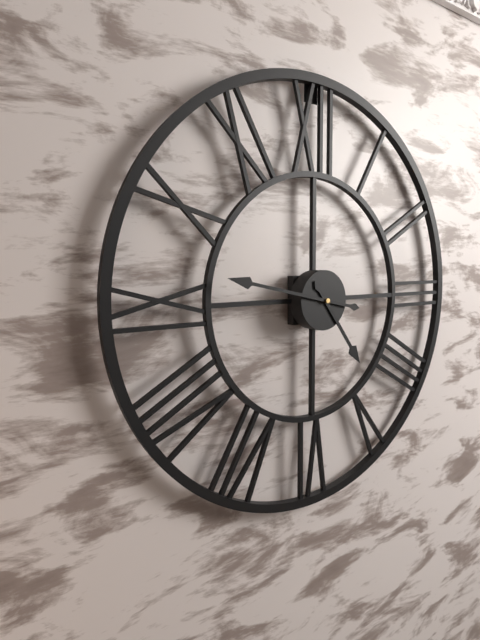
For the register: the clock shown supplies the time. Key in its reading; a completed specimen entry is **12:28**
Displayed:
**4:47**
